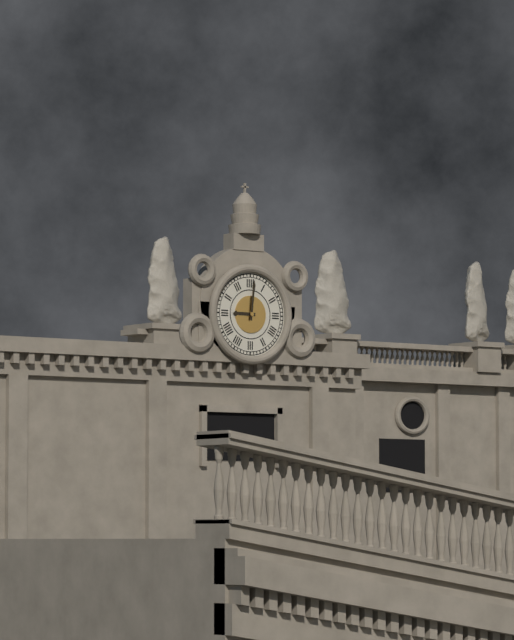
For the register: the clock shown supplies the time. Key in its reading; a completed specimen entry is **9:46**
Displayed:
**9:01**
